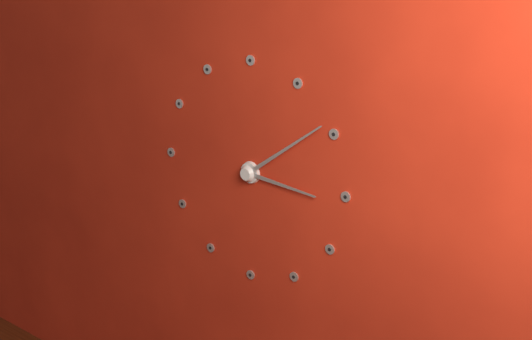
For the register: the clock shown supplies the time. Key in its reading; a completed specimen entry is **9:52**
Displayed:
**3:09**
